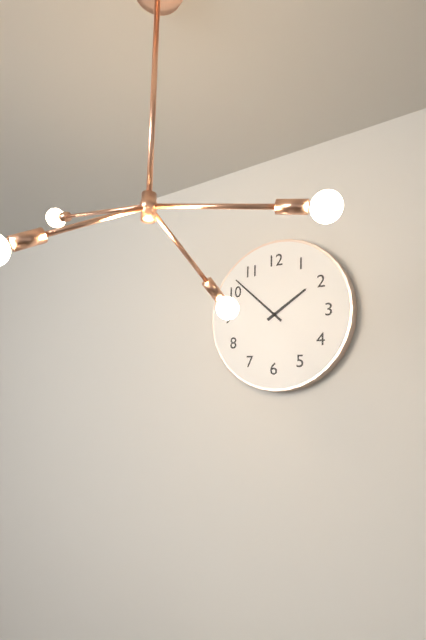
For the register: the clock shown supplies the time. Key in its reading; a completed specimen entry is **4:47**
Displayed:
**1:52**
